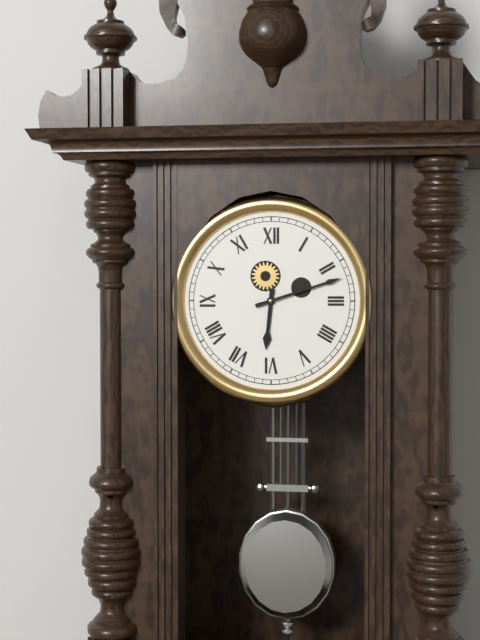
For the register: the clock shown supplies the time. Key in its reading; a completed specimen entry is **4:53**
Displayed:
**6:12**
